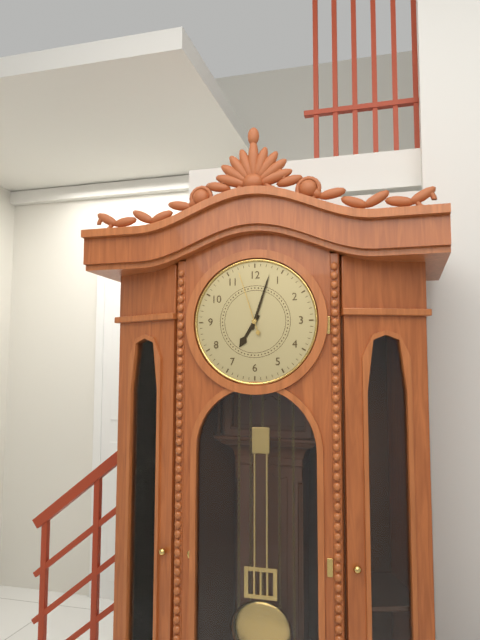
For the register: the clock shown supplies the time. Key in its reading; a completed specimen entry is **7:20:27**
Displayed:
**7:03:57**
